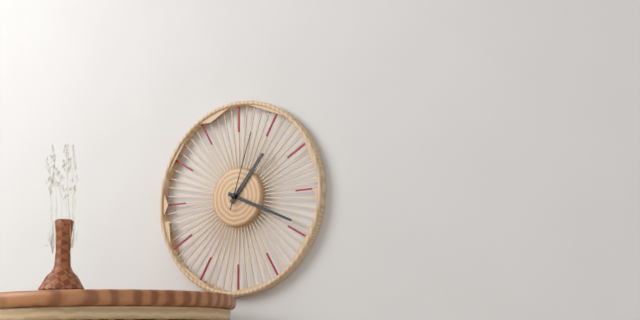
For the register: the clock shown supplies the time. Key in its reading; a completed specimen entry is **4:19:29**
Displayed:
**1:19:03**
